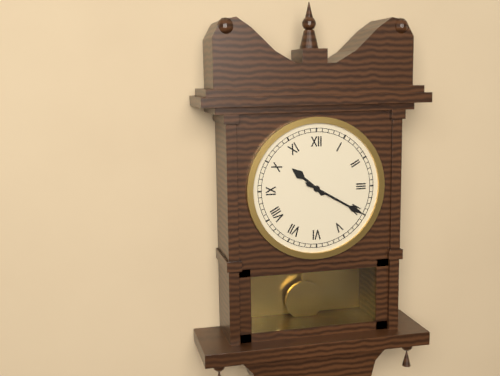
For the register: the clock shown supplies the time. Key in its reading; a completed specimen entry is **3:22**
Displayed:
**10:20**
